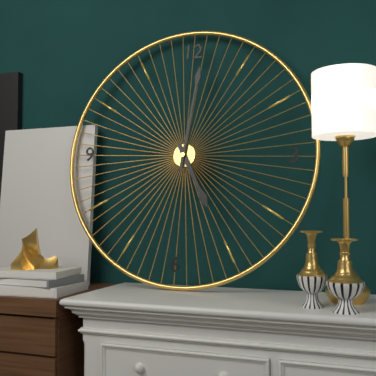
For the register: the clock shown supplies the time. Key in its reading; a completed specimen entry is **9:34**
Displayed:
**5:01**
